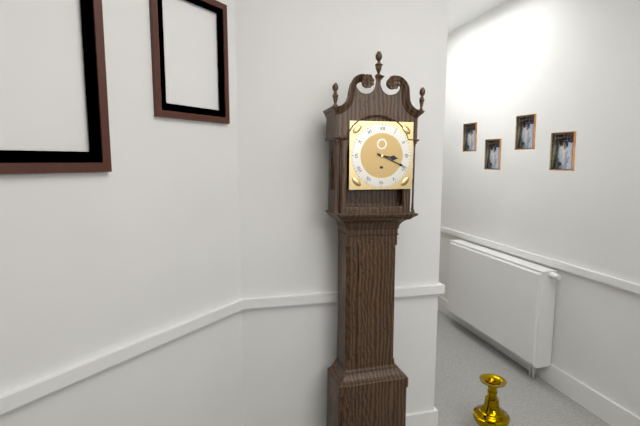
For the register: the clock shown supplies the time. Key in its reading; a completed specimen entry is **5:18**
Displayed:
**3:19**
